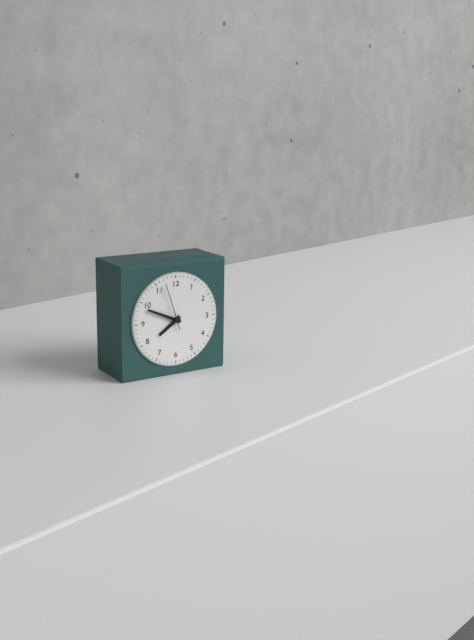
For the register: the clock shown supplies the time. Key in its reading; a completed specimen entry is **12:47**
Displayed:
**7:49**
